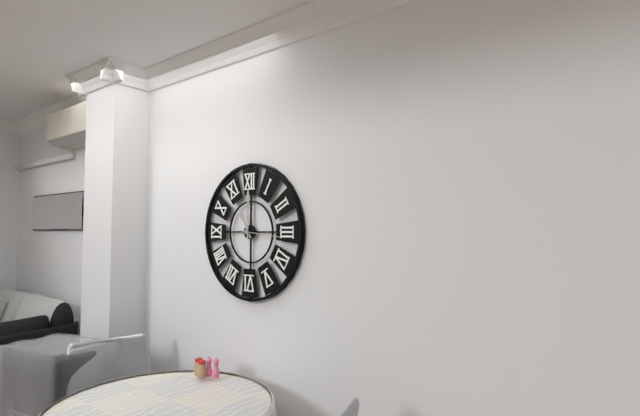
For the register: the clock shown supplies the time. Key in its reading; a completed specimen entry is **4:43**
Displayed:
**11:00**
